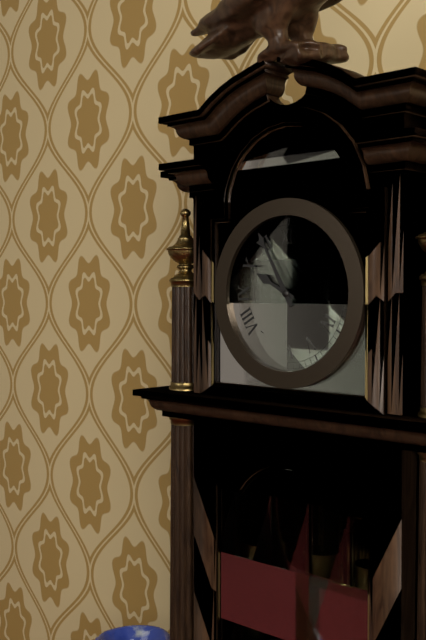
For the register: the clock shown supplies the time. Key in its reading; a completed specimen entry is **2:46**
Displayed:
**9:55**
